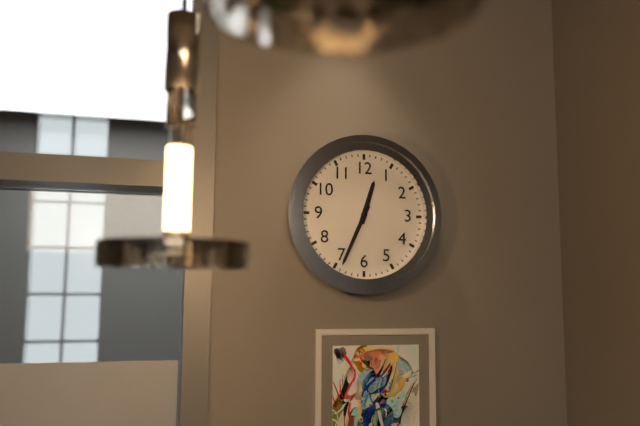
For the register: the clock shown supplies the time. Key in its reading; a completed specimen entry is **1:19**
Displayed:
**12:34**
